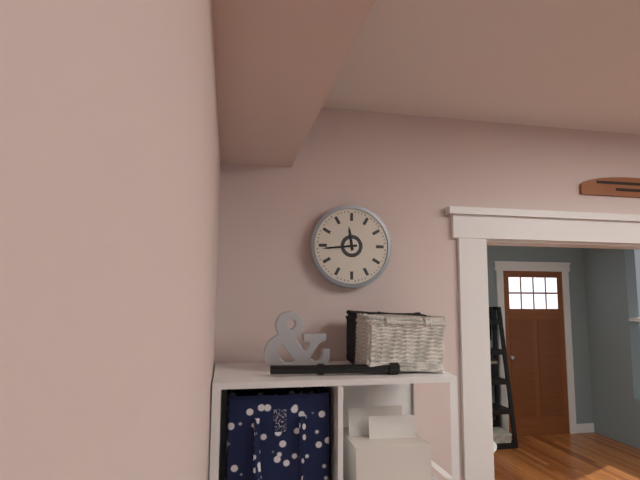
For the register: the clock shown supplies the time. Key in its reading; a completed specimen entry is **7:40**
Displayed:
**11:44**
